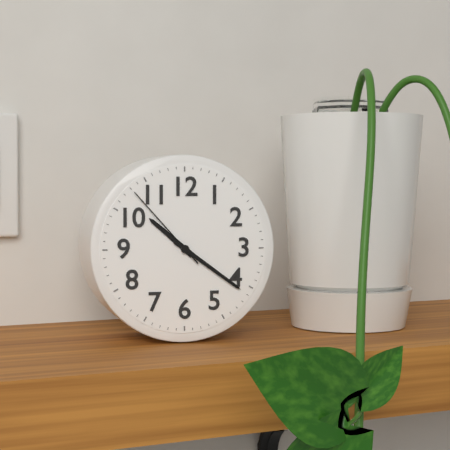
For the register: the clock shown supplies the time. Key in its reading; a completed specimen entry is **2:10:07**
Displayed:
**10:21:53**
